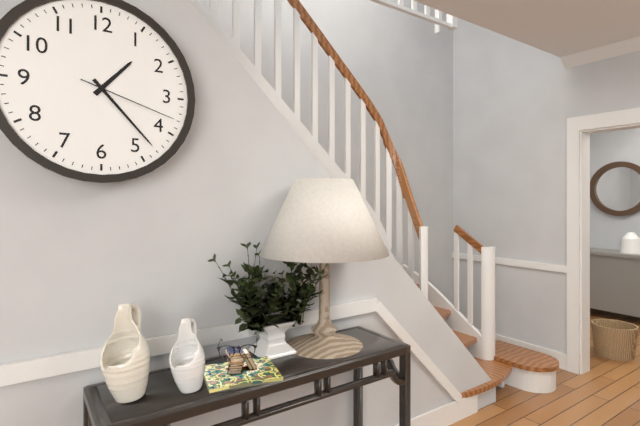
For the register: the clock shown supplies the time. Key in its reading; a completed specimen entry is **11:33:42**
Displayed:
**1:23:18**
